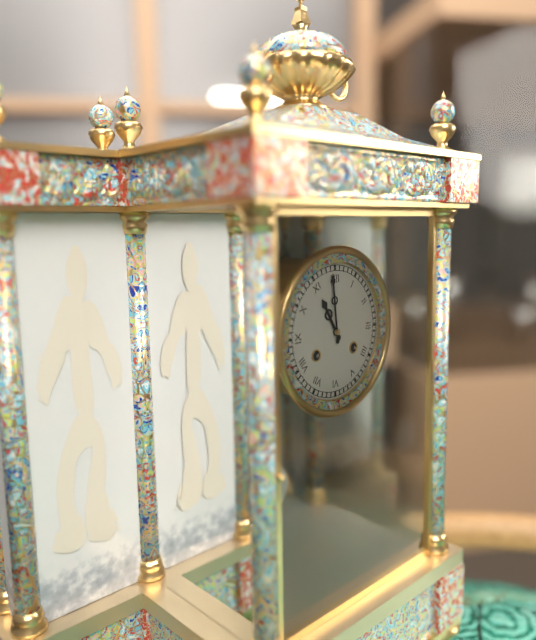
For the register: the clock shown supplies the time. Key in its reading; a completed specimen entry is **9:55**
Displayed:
**10:59**
